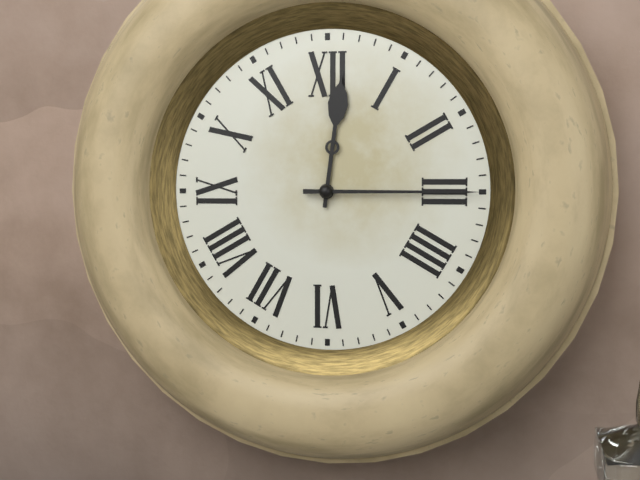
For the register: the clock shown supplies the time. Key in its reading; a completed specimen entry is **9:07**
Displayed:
**12:15**
